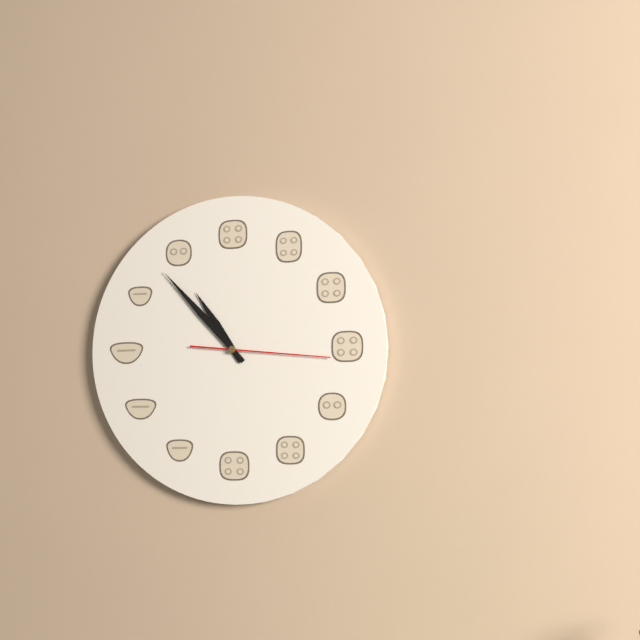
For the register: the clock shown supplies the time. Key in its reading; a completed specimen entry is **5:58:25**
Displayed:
**10:53:16**
